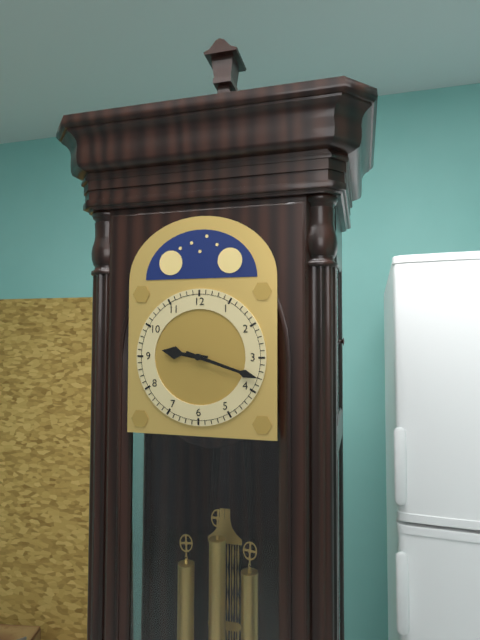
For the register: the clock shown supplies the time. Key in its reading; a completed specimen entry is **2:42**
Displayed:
**9:18**
